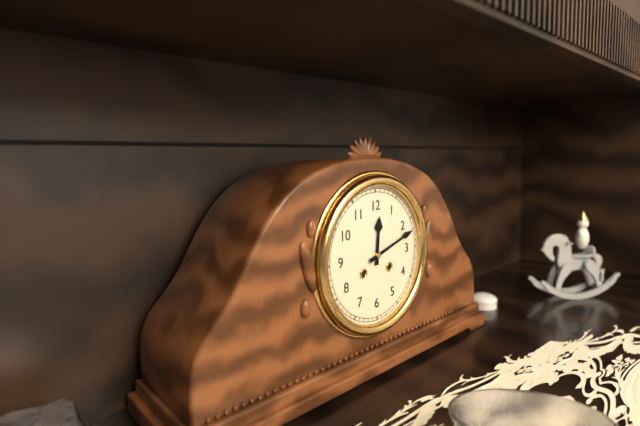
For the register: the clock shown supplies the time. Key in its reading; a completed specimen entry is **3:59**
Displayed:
**12:12**
